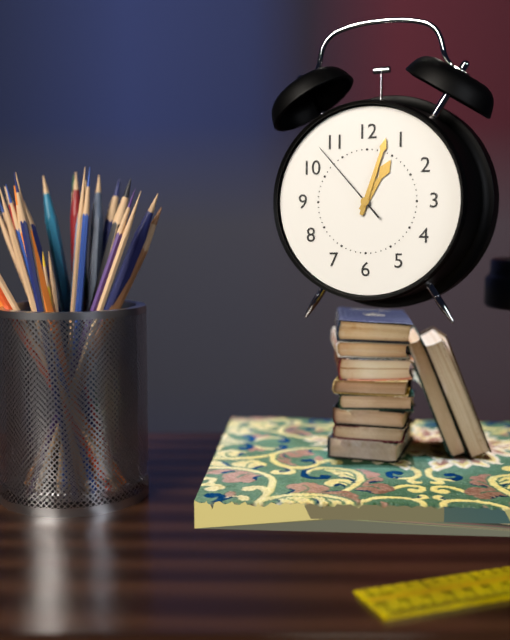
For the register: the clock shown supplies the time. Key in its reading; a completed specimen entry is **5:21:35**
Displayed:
**1:03:53**
